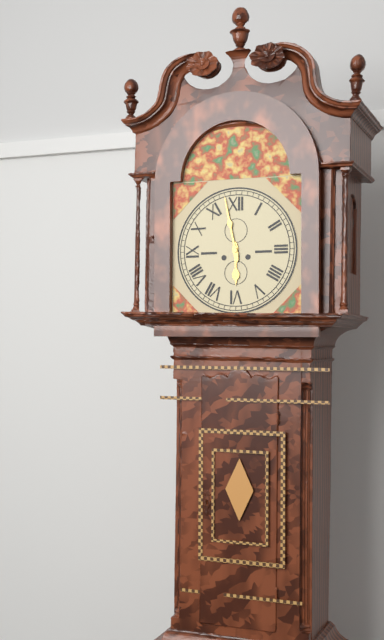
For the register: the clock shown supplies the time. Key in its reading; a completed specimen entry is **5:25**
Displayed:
**5:58**
